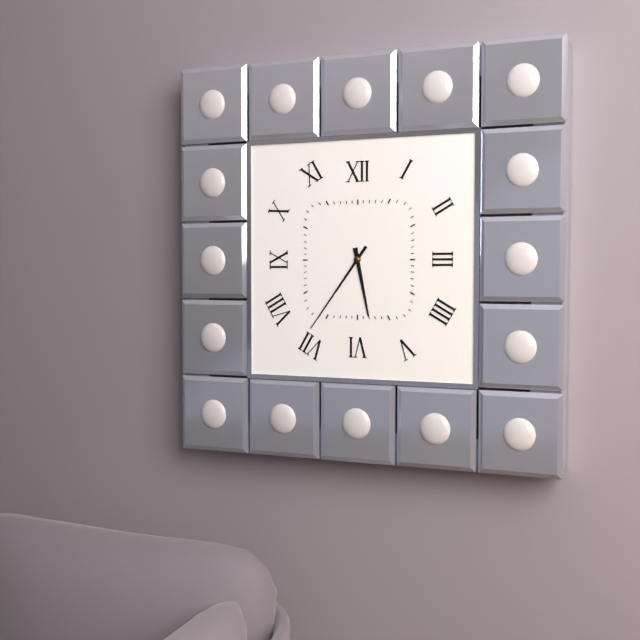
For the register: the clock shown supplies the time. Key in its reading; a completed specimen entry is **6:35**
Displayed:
**5:36**
